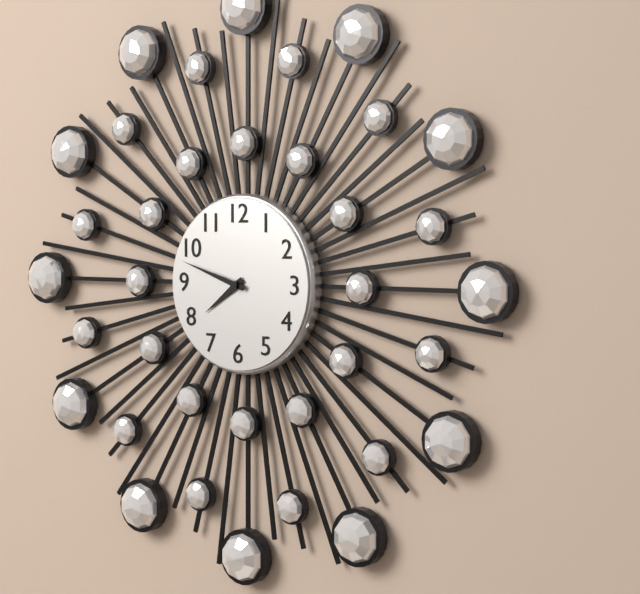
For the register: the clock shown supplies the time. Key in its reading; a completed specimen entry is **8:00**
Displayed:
**7:48**
